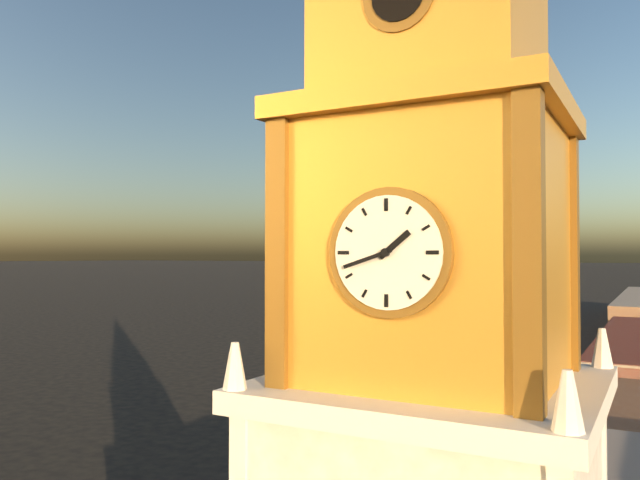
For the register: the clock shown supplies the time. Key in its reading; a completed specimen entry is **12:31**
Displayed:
**1:42**
